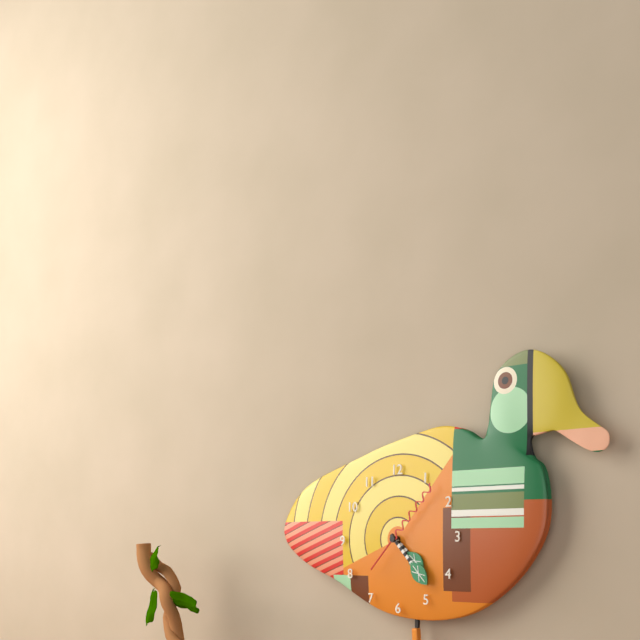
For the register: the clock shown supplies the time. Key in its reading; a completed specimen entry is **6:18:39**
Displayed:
**4:23:07**
